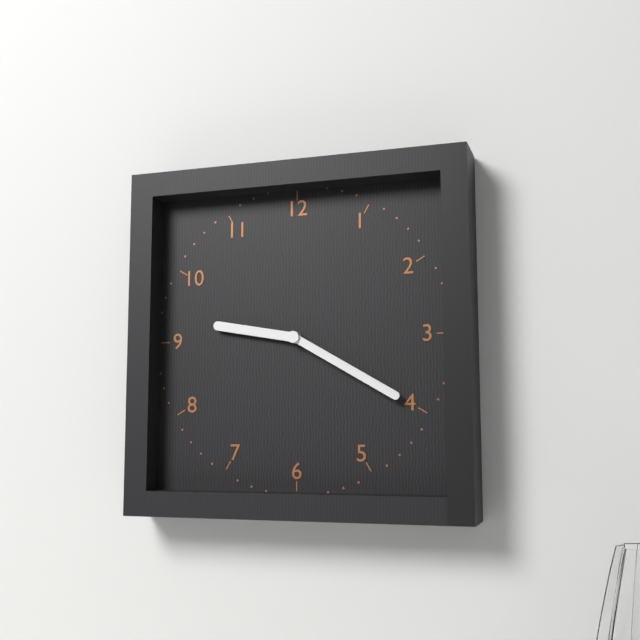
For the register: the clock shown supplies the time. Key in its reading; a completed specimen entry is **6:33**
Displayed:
**9:20**
